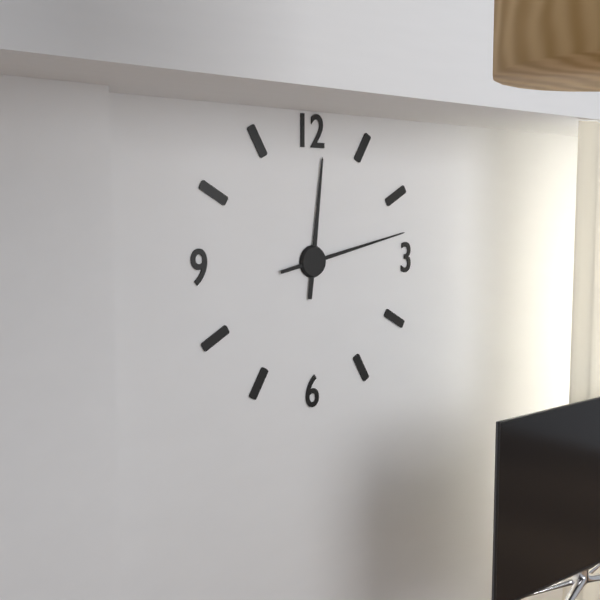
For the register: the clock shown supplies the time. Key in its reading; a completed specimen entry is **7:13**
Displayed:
**12:13**
